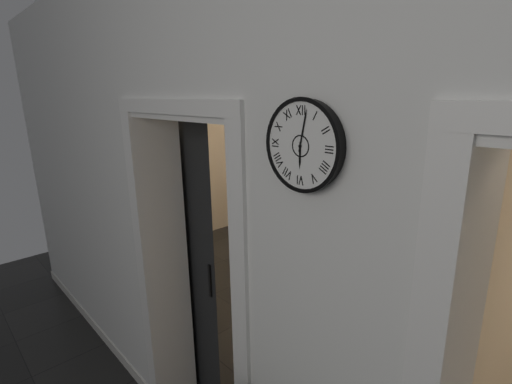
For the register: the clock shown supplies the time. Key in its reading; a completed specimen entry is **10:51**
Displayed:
**6:02**
